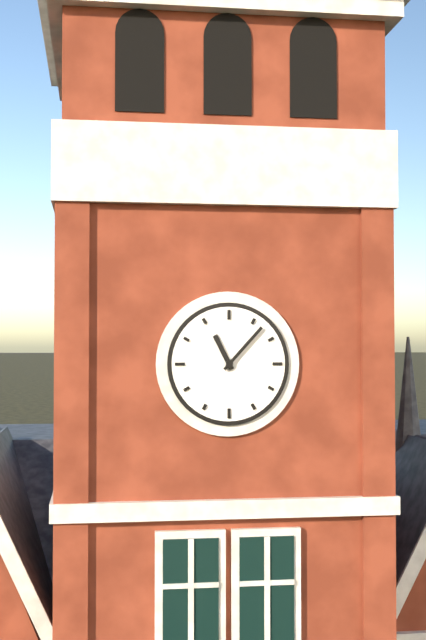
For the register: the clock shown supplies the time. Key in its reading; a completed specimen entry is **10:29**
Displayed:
**11:07**
